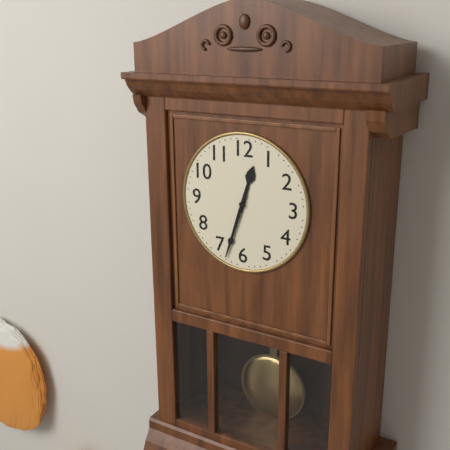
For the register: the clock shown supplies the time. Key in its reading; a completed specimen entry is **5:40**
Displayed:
**12:33**
